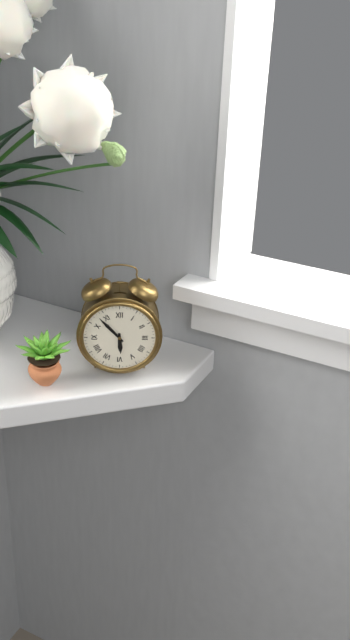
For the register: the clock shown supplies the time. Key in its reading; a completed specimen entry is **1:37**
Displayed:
**5:53**
